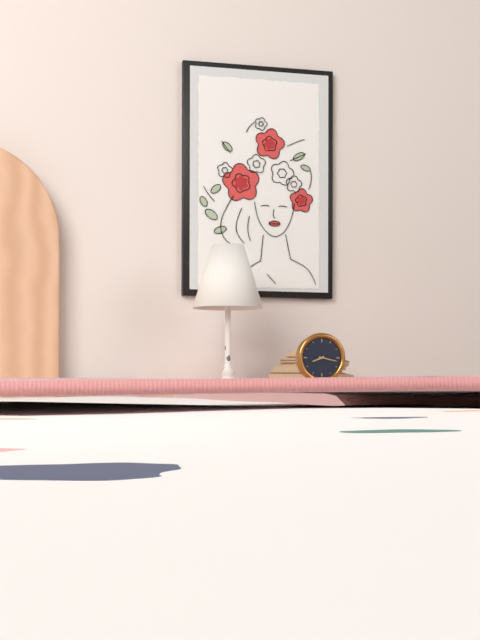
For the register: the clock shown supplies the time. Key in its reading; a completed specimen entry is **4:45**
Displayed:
**8:17**
